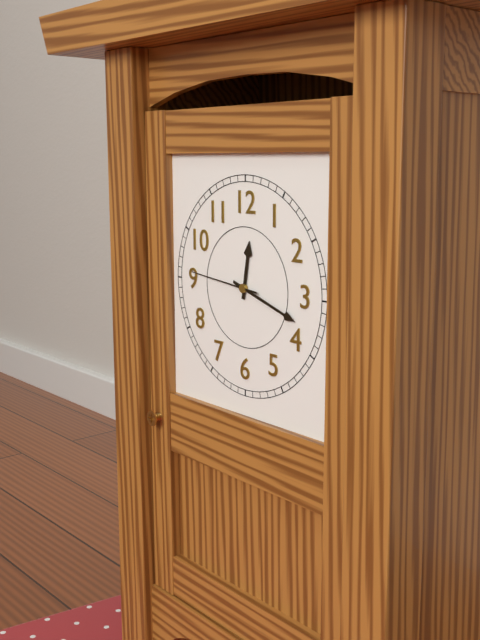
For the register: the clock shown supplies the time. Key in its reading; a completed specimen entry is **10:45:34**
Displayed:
**12:18:46**
